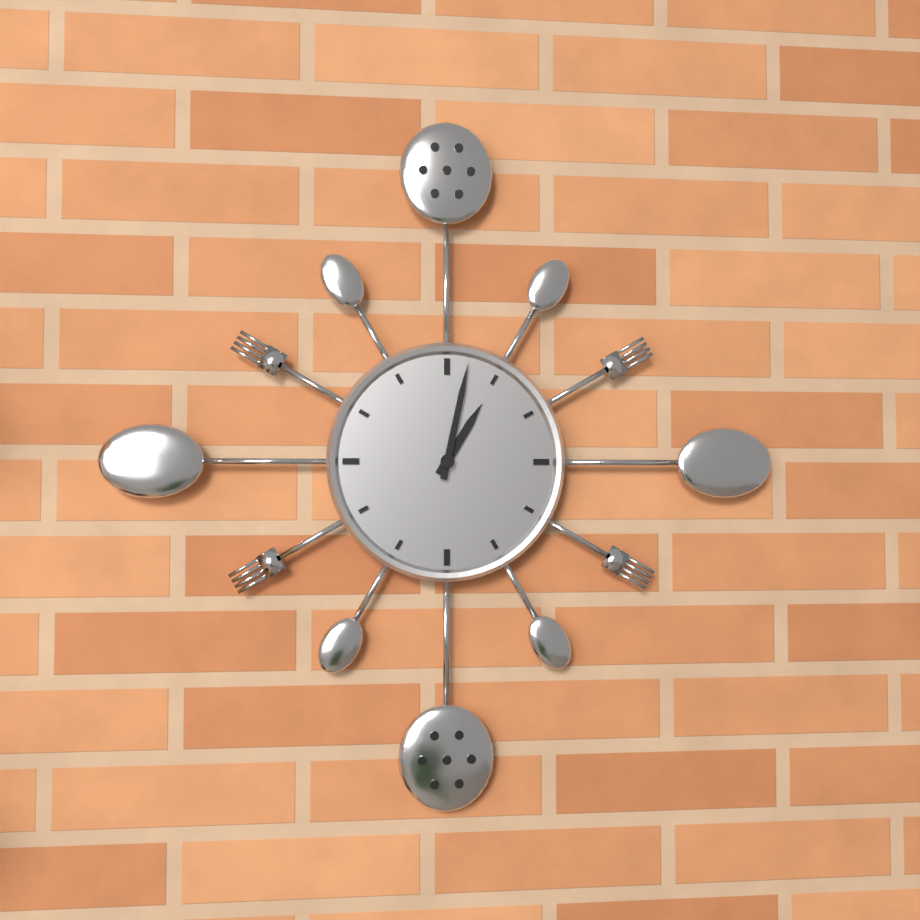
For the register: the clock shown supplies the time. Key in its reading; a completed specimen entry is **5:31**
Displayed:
**1:02**
